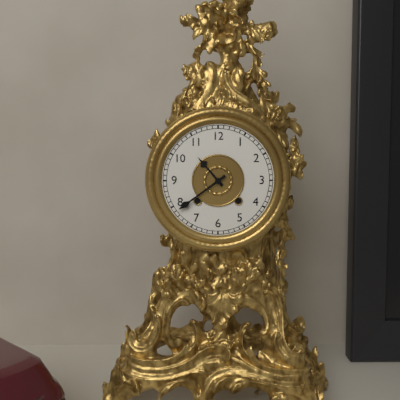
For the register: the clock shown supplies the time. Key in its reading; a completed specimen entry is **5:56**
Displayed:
**10:39**
